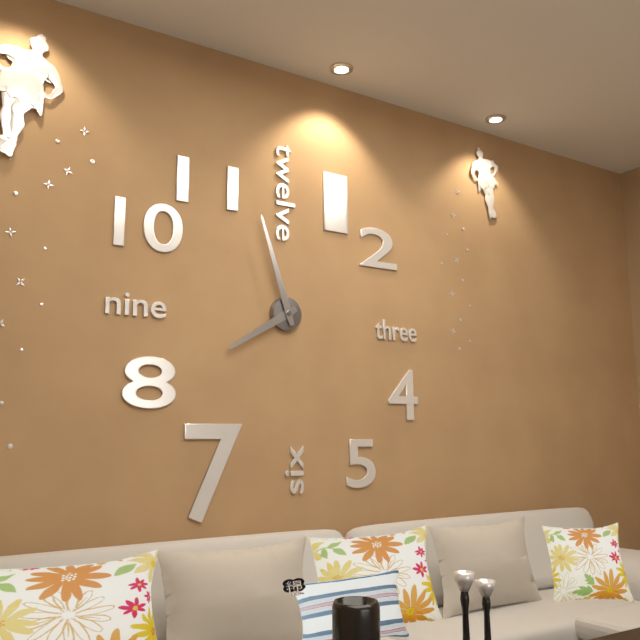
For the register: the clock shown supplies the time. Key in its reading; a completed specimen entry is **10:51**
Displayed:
**7:57**
